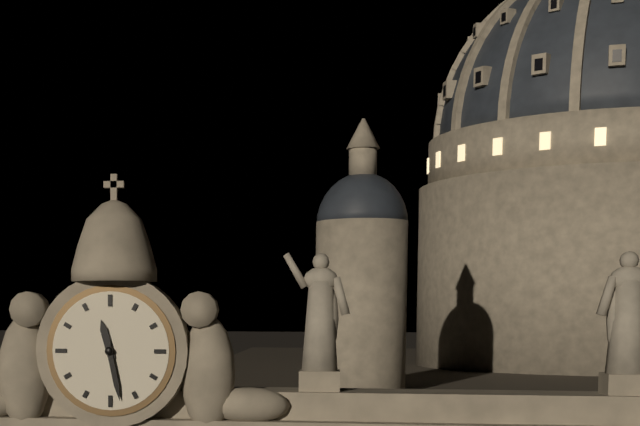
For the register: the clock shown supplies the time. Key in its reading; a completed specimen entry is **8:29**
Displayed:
**11:28**
